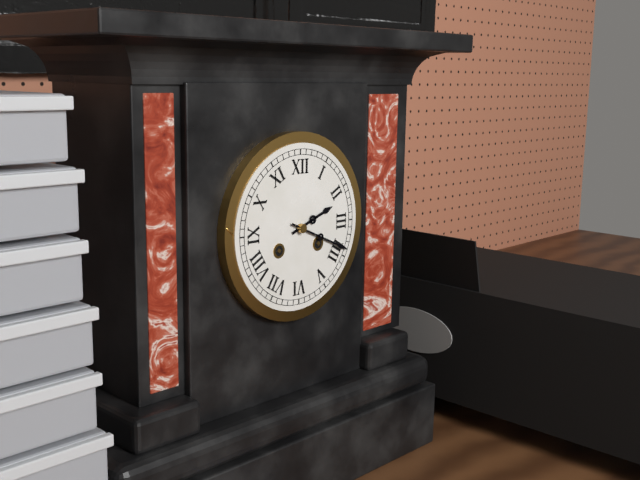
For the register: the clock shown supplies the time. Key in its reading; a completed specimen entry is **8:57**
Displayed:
**2:19**
